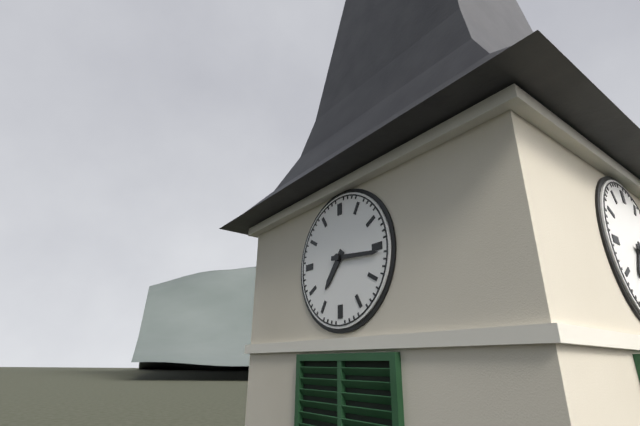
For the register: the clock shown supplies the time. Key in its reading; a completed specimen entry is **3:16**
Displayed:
**7:16**
